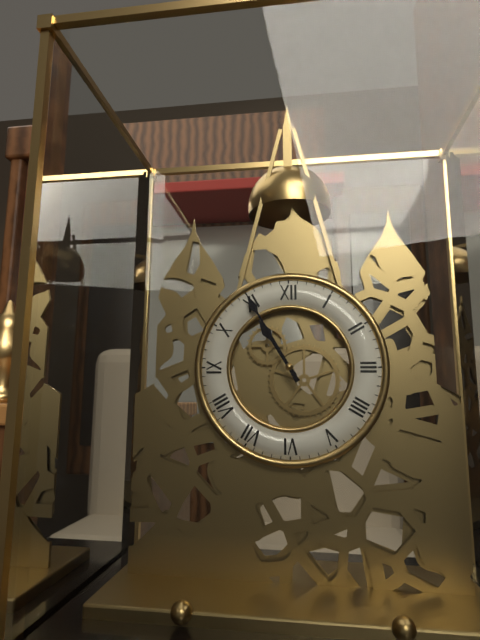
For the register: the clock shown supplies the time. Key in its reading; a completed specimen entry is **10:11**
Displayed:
**10:55**
